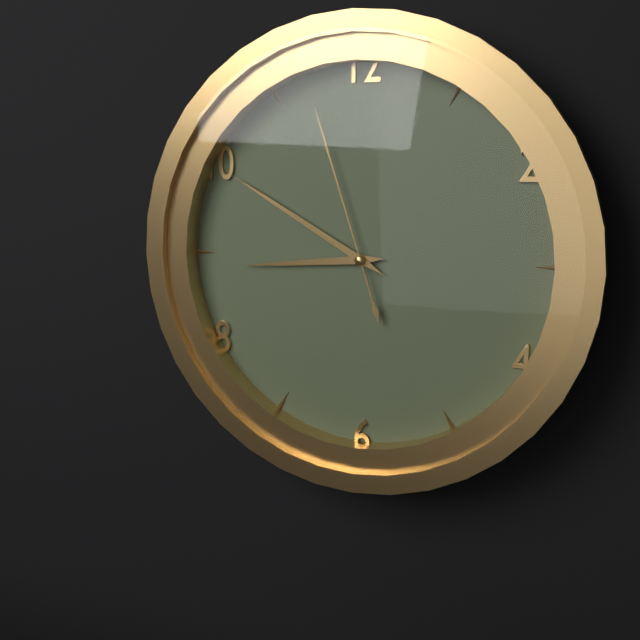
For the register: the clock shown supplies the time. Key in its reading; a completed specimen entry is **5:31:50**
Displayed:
**8:50:57**
